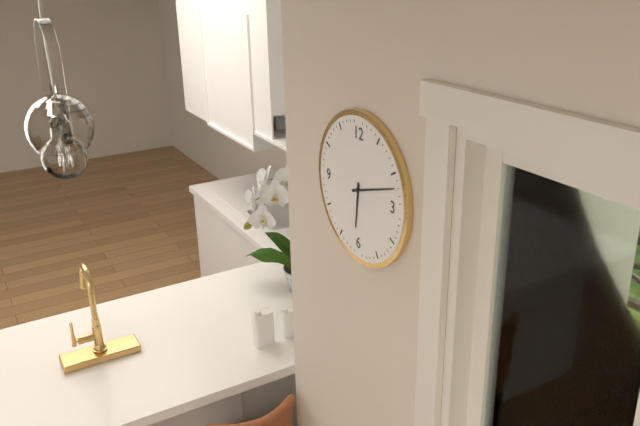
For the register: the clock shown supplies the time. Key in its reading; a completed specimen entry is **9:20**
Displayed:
**6:12**
